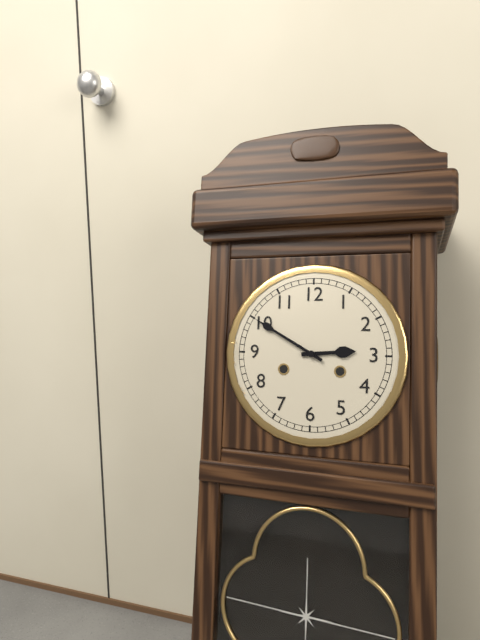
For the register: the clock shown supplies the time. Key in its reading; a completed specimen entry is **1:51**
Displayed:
**2:50**
